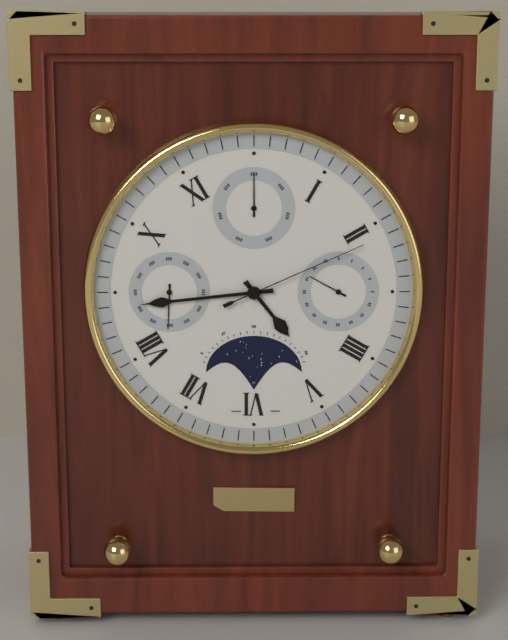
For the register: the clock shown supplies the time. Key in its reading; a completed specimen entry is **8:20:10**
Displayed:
**4:44:11**
